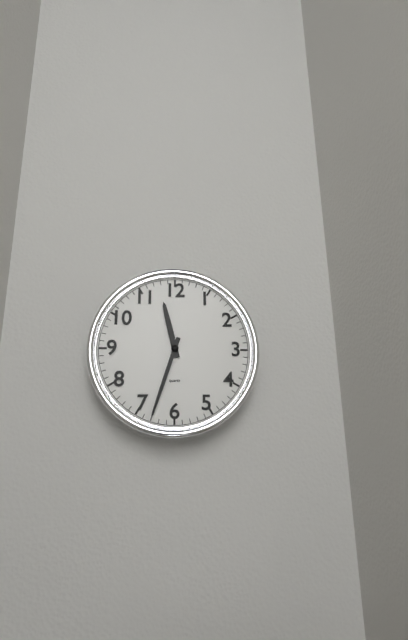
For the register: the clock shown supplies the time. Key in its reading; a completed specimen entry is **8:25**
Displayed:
**11:33**
